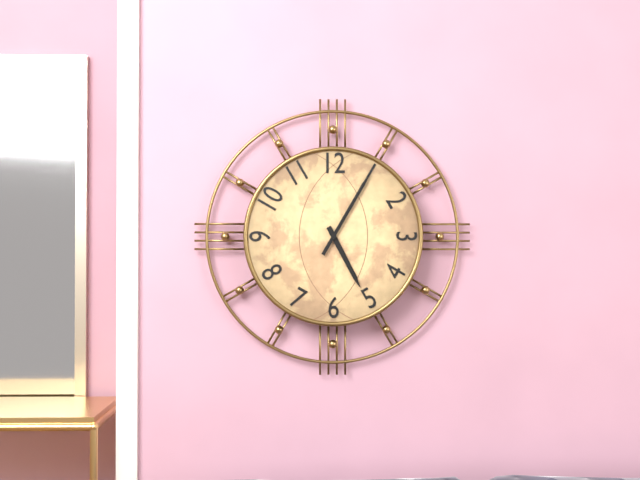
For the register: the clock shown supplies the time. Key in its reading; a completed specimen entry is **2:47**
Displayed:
**5:05**
